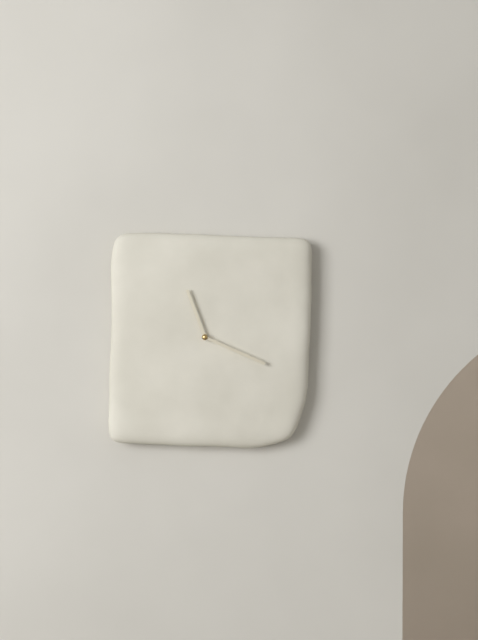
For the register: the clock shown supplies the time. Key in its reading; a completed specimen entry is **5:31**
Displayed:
**11:19**
